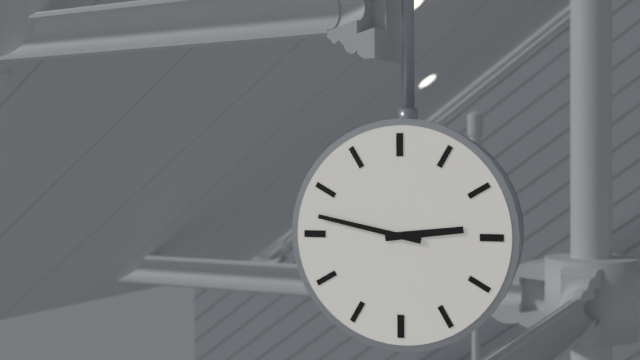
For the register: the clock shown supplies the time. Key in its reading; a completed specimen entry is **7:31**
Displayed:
**2:47**
